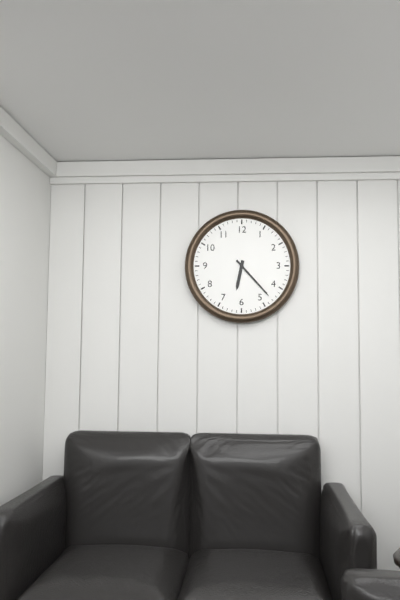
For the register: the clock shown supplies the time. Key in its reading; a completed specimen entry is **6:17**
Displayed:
**6:23**
